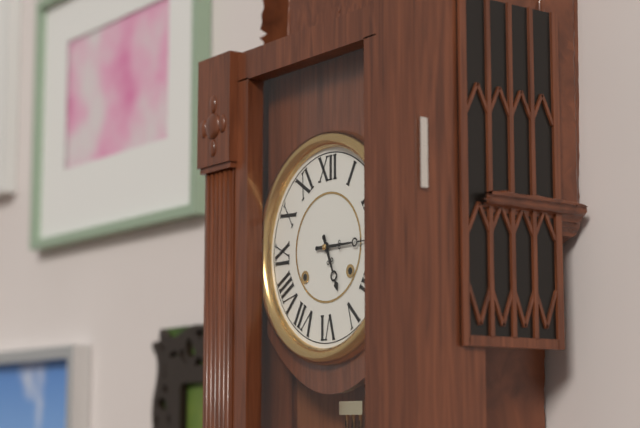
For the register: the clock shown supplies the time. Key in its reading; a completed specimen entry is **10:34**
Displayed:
**5:15**
